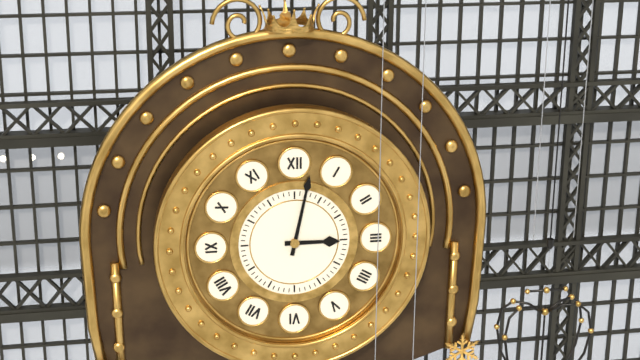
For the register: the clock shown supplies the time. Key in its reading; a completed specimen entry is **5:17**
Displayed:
**3:02**
